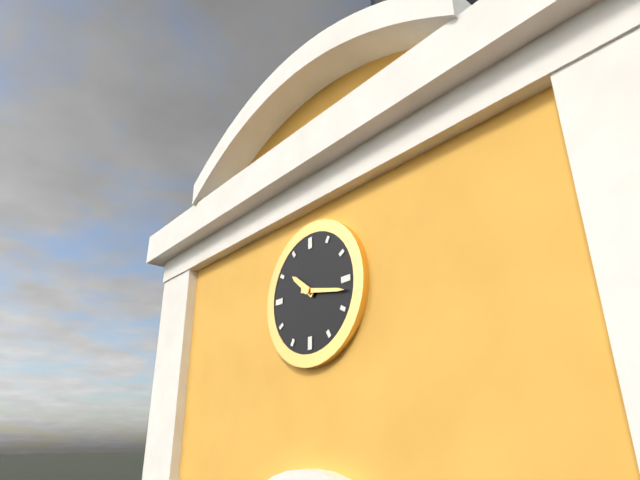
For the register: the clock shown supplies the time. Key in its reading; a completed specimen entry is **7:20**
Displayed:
**10:17**
